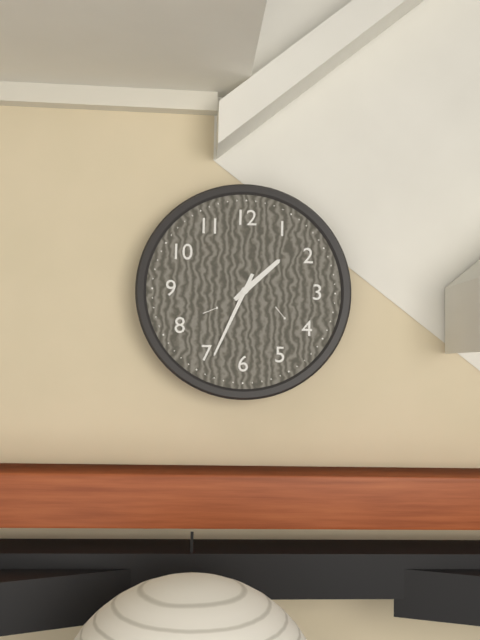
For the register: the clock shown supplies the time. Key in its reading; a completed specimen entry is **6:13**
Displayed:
**1:34**
